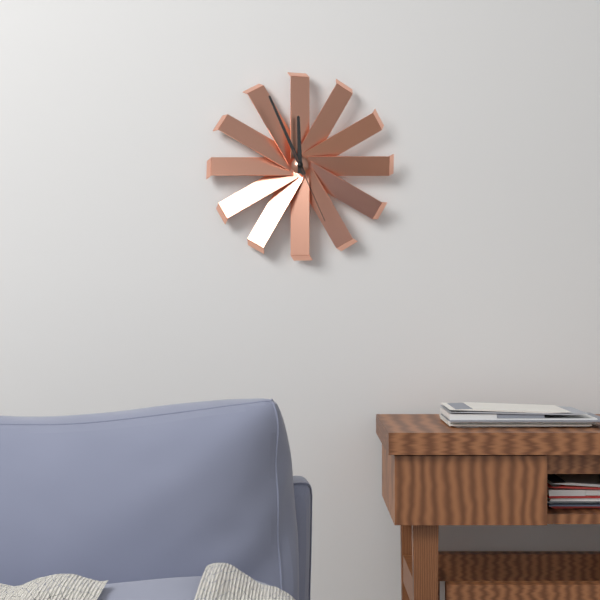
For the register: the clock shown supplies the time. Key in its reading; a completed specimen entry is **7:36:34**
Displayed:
**11:56:26**
